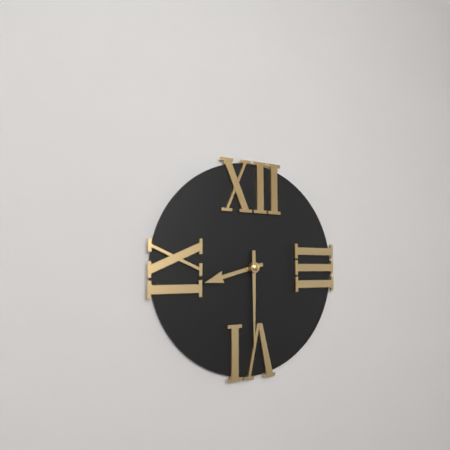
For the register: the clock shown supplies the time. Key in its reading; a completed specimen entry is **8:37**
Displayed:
**8:30**
